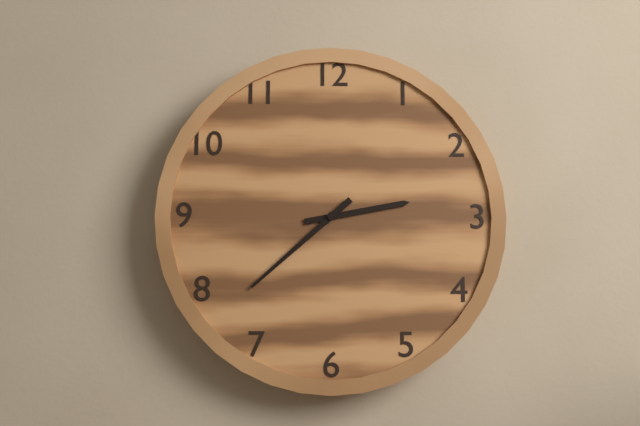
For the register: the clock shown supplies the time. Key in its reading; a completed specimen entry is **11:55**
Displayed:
**2:38**
